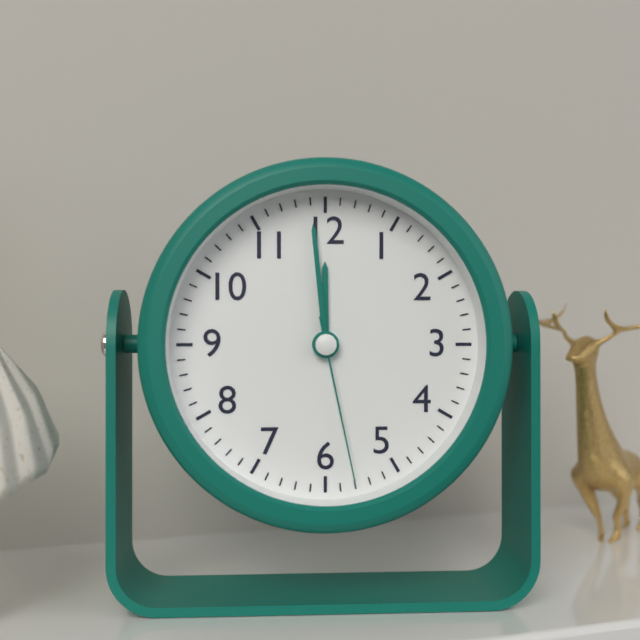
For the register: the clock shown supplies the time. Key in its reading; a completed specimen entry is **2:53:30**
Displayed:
**11:59:28**
